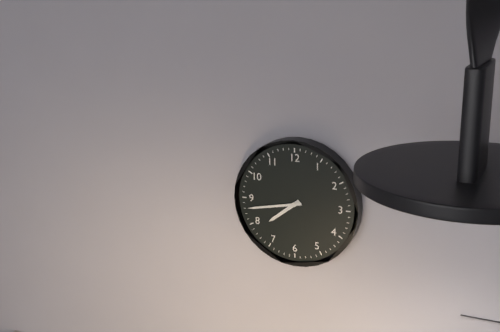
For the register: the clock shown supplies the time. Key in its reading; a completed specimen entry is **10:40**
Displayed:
**7:43**
